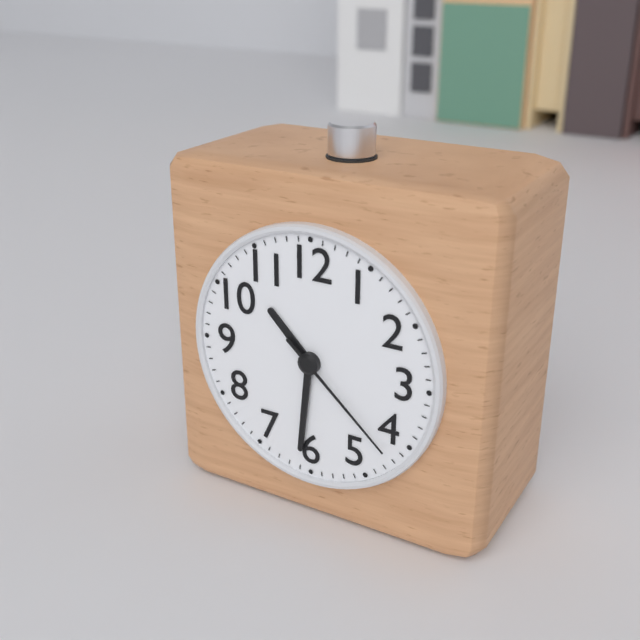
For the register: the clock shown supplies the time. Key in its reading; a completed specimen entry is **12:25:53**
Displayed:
**10:31:22**
